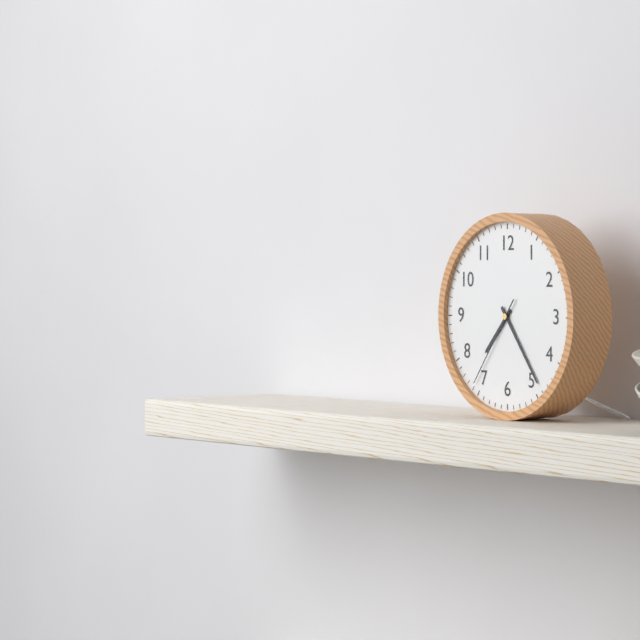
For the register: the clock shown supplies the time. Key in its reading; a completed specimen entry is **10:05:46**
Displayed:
**7:24:36**
